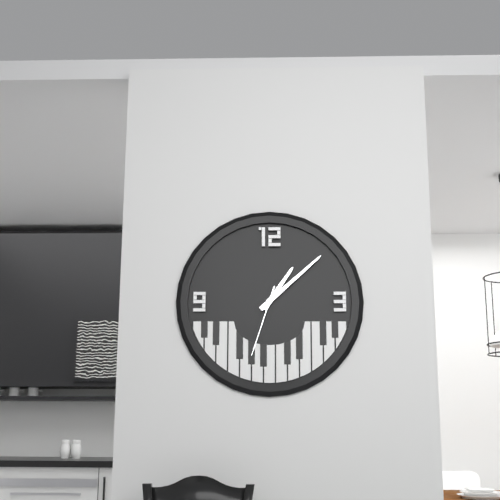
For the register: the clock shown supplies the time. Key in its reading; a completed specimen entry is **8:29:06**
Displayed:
**1:08:33**
